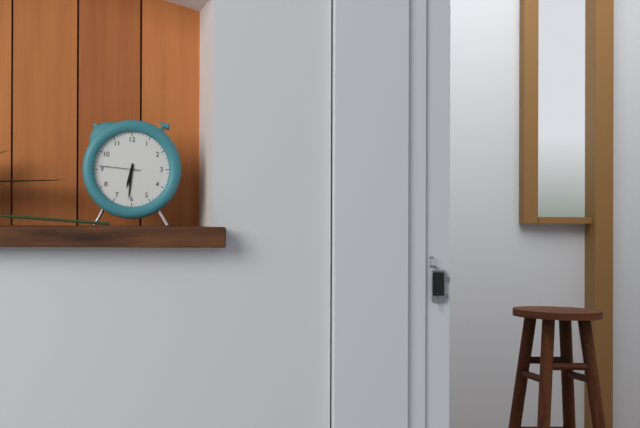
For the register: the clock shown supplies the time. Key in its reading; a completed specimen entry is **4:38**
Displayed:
**6:31**
